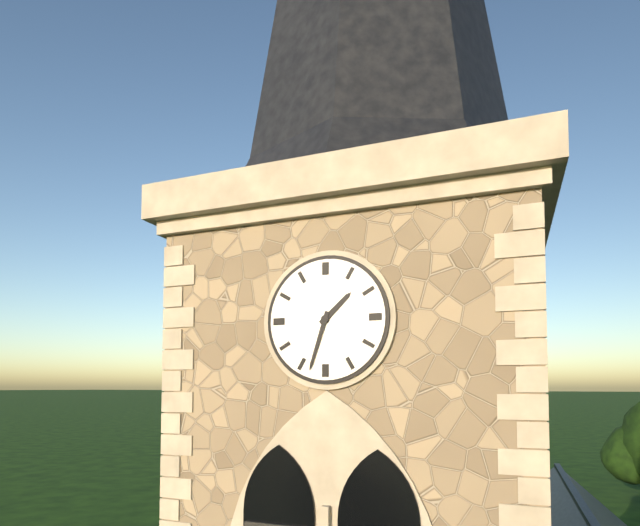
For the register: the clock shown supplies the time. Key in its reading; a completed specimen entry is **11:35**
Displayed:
**1:33**
